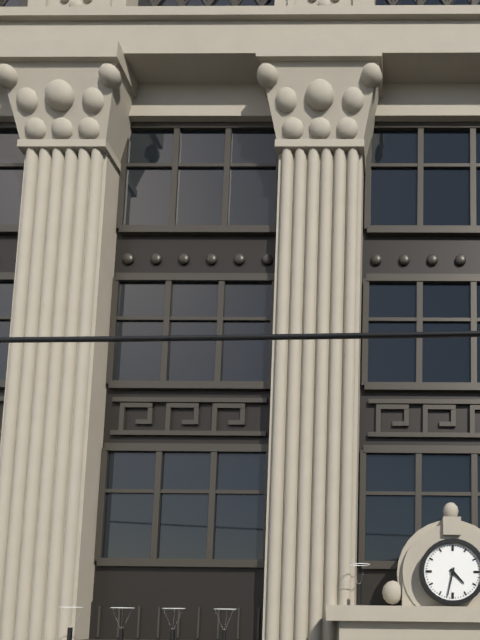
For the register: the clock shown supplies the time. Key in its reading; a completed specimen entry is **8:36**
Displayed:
**4:32**
